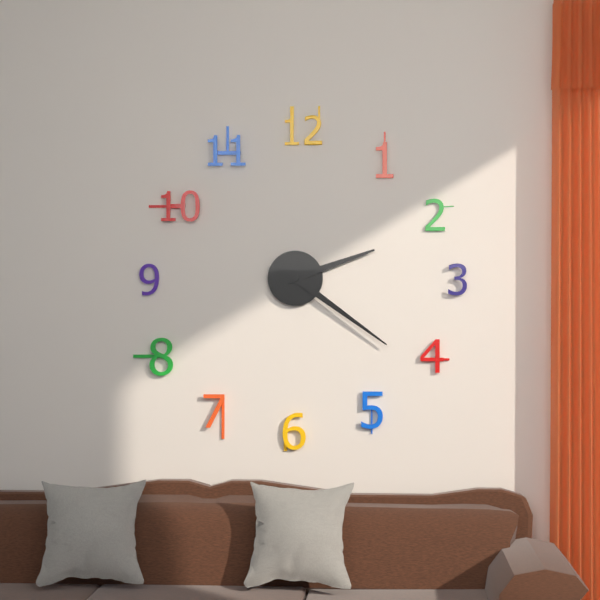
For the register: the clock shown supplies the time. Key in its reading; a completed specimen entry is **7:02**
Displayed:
**2:21**
